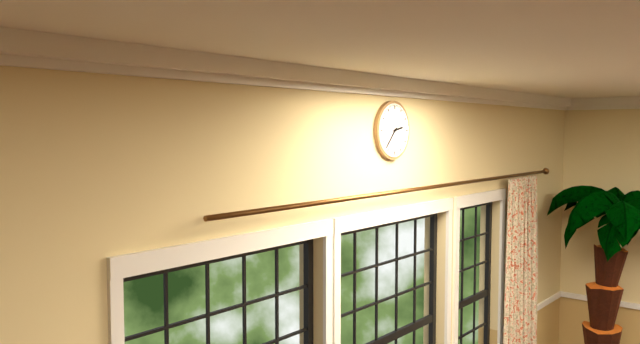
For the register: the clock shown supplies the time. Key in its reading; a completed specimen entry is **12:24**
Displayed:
**2:37**
